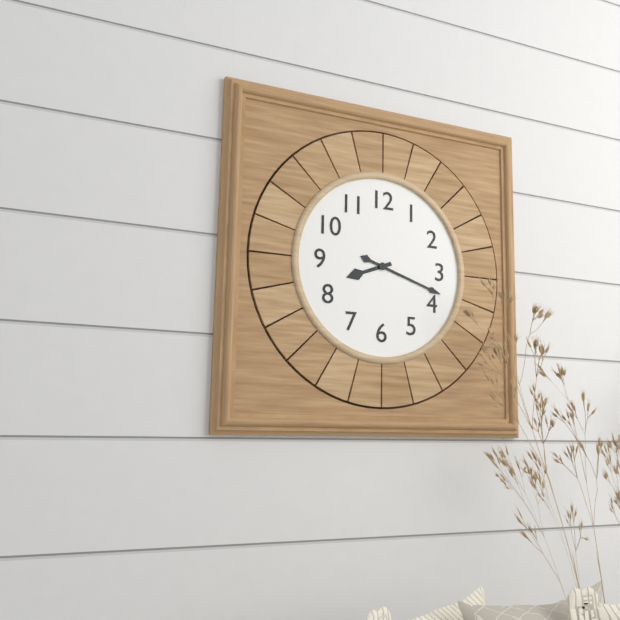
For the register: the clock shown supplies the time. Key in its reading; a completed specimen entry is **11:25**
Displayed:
**8:18**
